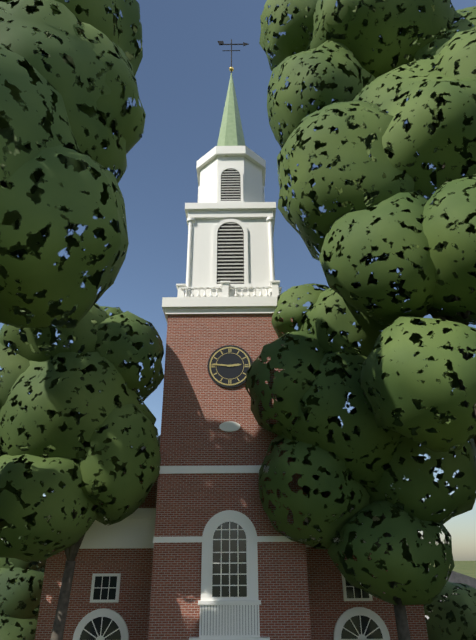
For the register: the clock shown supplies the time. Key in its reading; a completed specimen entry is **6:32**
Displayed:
**2:46**
